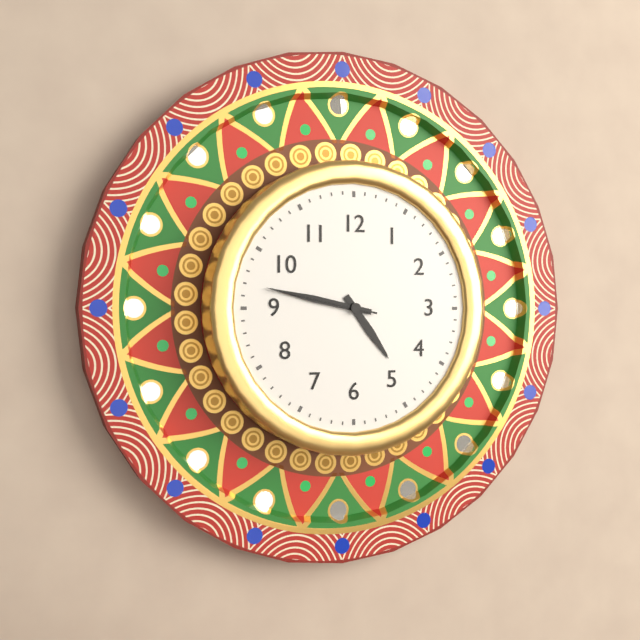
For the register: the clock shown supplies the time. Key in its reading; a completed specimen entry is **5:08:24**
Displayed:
**4:47:47**
